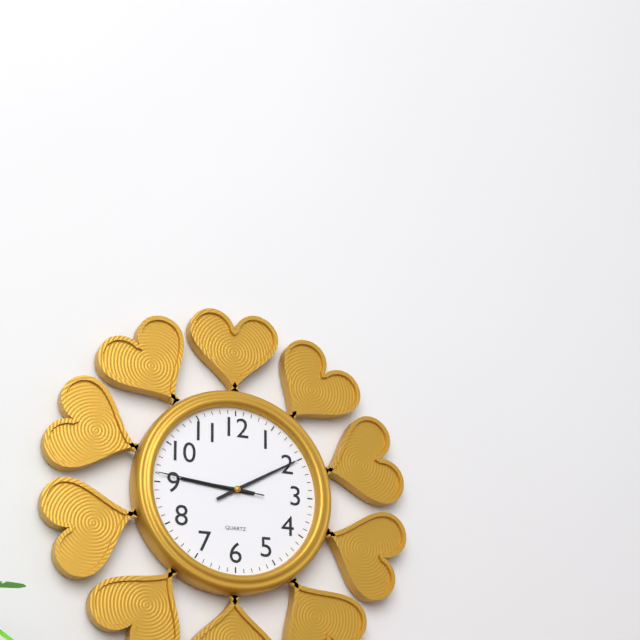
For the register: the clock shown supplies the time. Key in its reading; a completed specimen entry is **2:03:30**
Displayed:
**9:10:46**
